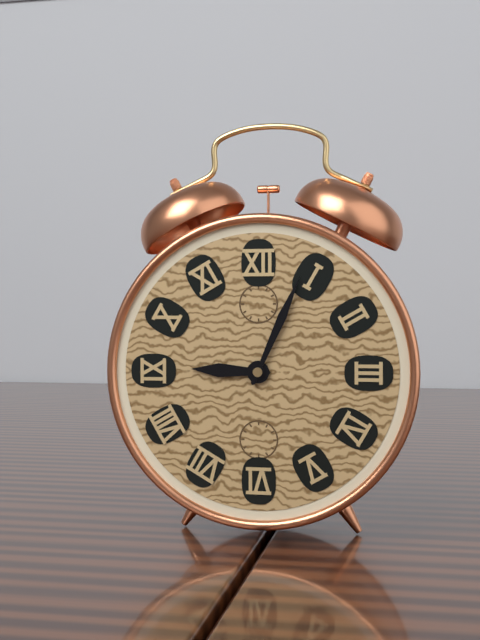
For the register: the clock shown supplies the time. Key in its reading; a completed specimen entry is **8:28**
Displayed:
**9:04**
